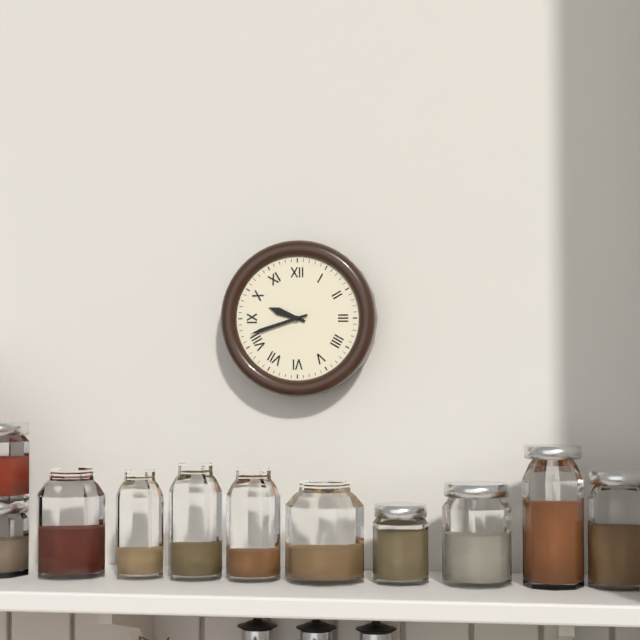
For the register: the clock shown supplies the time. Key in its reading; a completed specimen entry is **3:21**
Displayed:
**9:42**
